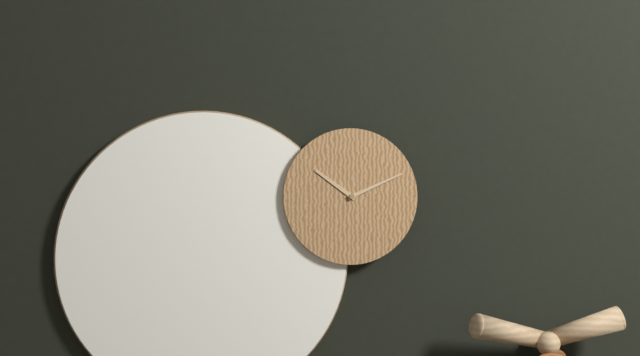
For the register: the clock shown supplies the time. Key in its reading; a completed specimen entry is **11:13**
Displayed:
**10:11**
